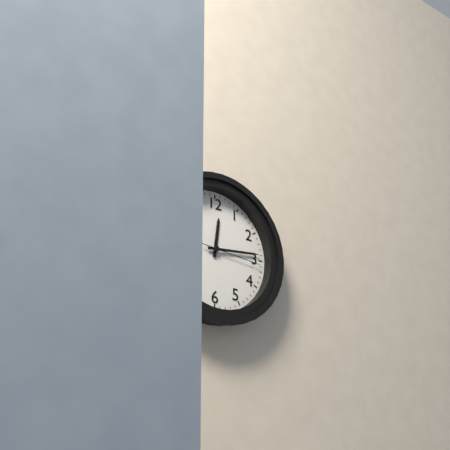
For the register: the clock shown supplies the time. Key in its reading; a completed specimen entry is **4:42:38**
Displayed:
**12:14:16**
